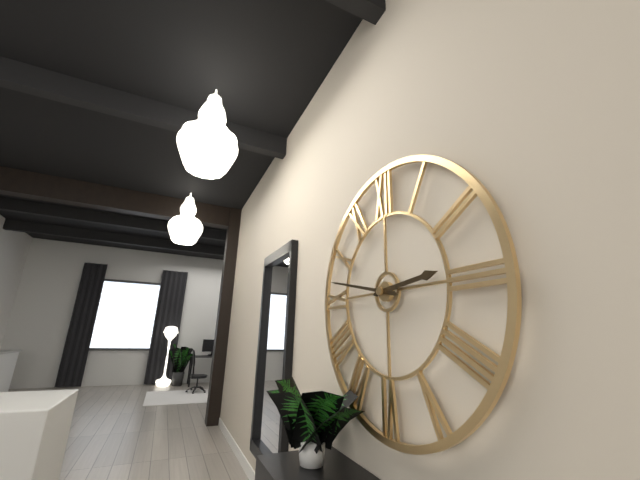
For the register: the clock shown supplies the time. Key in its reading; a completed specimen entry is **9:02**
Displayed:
**2:47**
